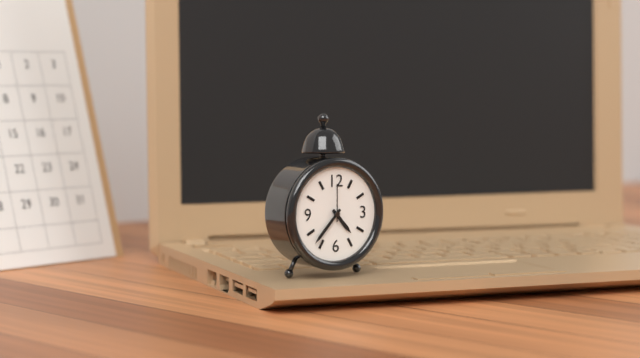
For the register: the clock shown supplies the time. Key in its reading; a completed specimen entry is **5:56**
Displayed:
**4:37**
